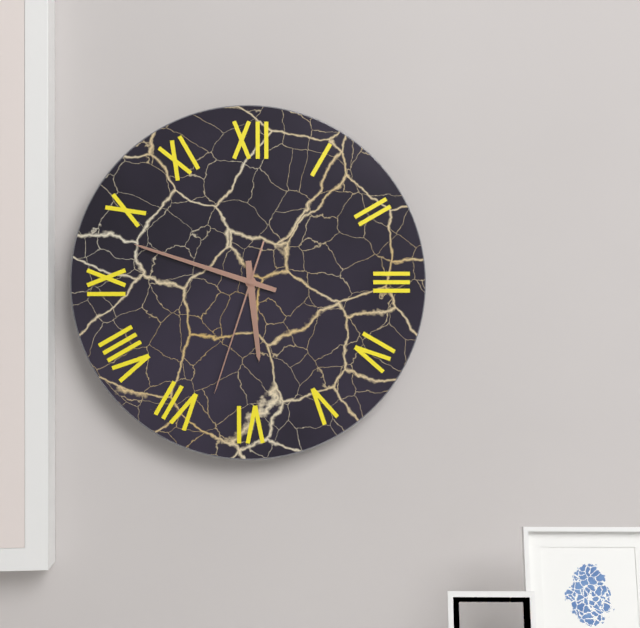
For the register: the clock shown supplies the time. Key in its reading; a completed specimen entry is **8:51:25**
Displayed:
**5:48:33**
